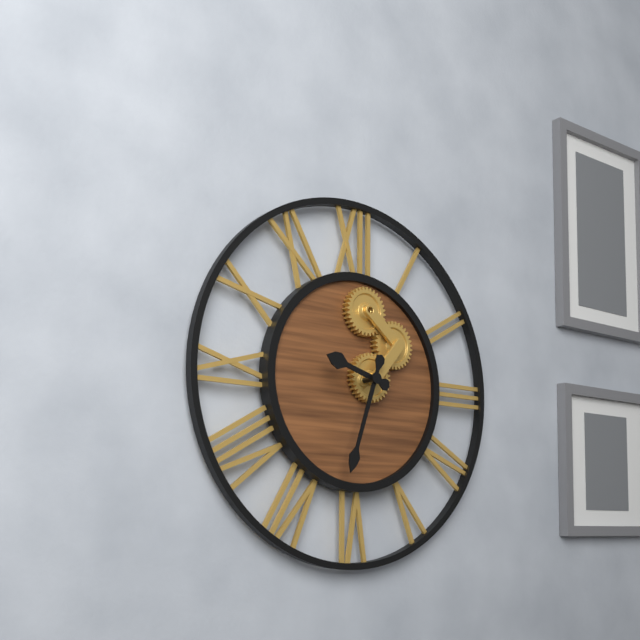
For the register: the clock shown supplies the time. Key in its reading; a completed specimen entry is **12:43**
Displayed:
**9:33**
